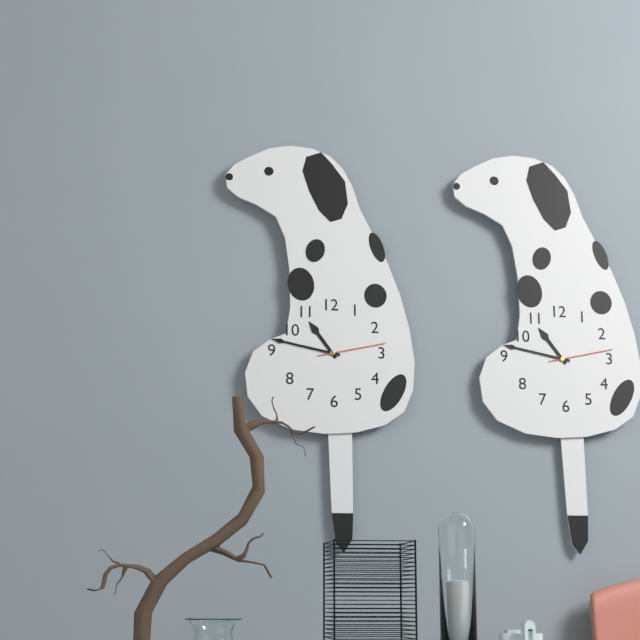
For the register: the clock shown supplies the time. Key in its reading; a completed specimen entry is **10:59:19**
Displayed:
**10:47:13**
